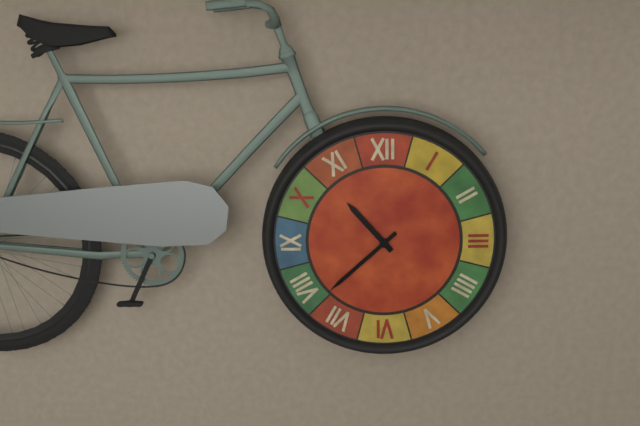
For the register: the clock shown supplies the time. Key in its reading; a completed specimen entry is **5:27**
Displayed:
**10:38**
